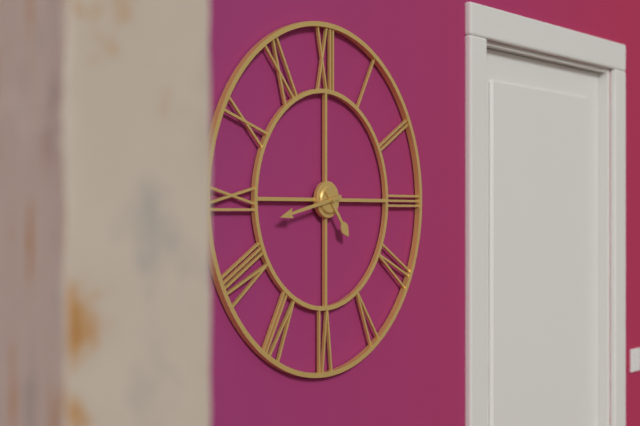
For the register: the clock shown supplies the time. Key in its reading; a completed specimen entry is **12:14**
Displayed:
**4:43**
